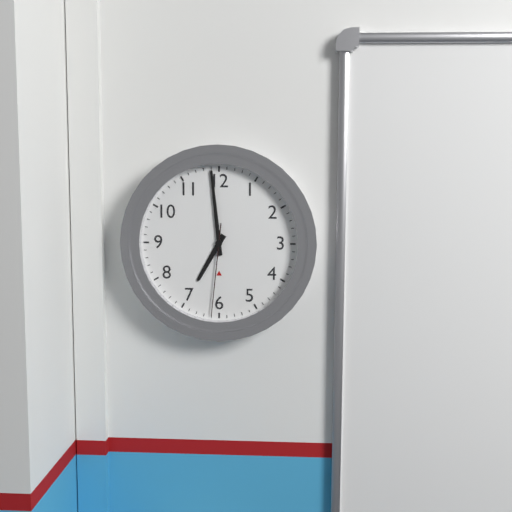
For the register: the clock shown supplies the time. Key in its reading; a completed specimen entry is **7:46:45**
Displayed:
**6:59:31**
